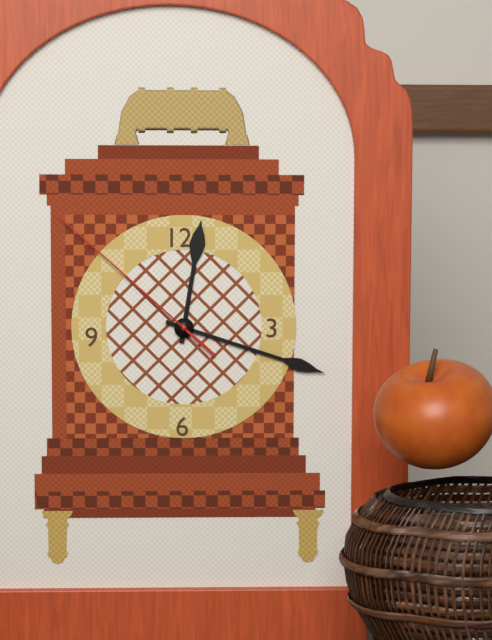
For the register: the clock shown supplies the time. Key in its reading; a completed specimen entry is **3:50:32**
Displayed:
**12:18:52**
